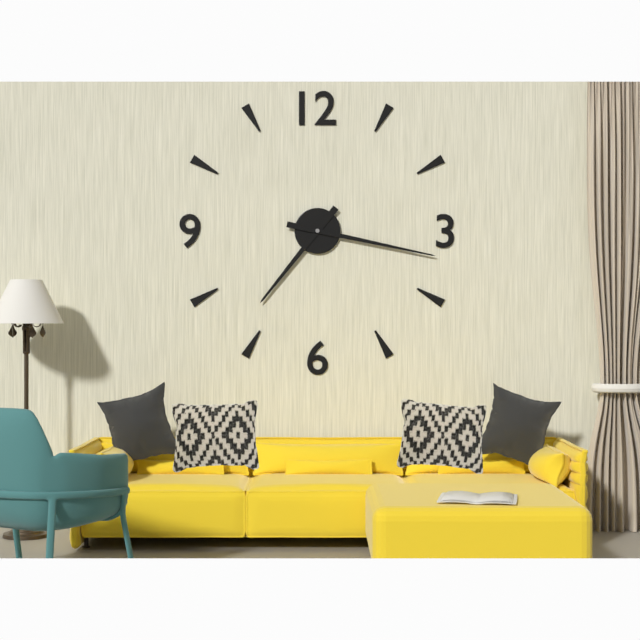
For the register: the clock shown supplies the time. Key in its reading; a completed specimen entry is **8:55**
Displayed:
**7:17**
